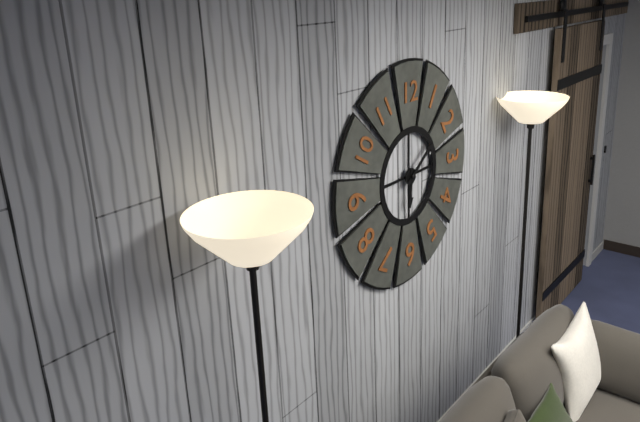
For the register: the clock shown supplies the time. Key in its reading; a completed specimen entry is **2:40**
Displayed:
**6:09**
